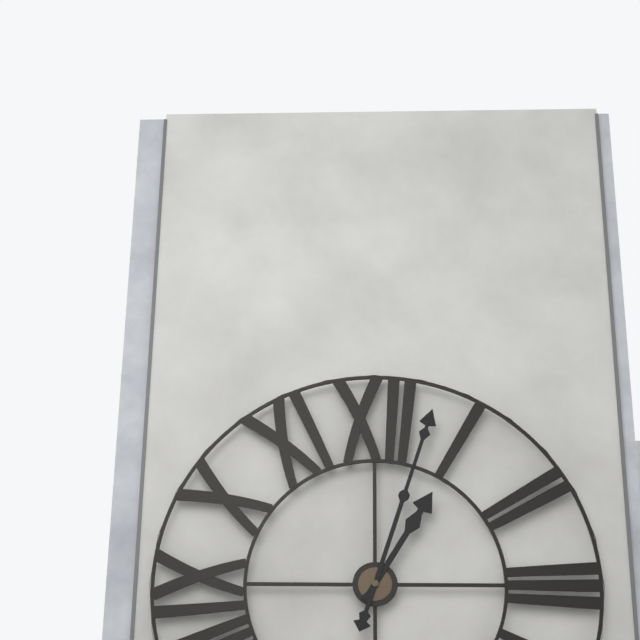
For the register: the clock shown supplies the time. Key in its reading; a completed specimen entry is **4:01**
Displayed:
**1:03**
